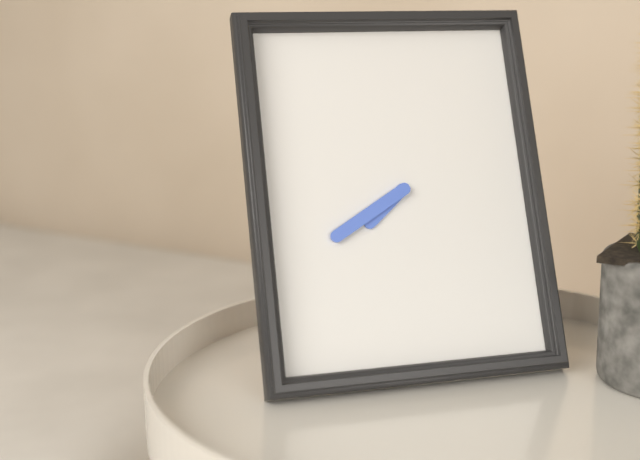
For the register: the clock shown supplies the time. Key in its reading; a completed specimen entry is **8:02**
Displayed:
**7:40**
